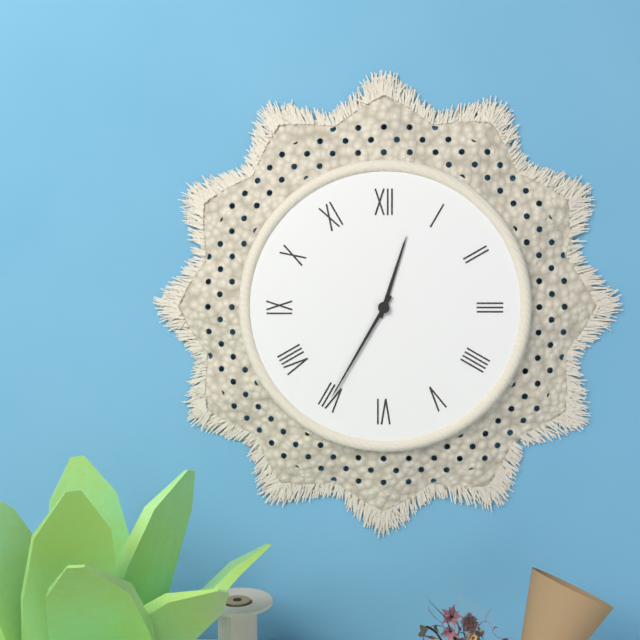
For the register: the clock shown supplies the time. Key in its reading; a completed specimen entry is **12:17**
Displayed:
**12:35**
